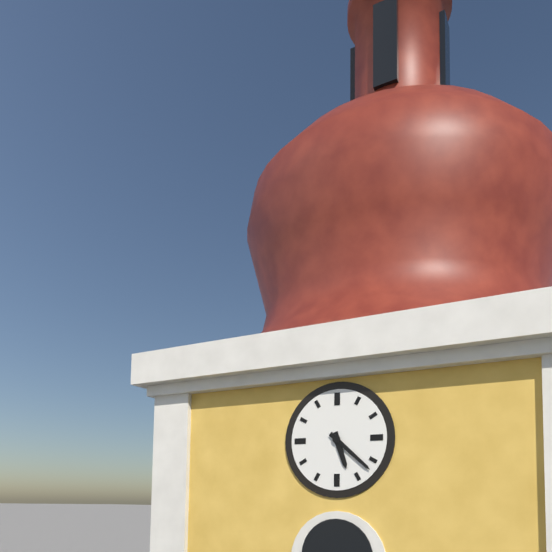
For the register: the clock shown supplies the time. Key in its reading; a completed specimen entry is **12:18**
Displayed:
**5:22**
